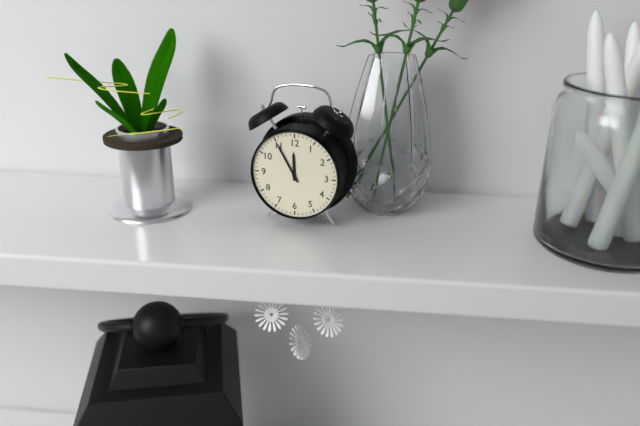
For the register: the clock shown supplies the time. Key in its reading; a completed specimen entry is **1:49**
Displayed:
**11:55**
